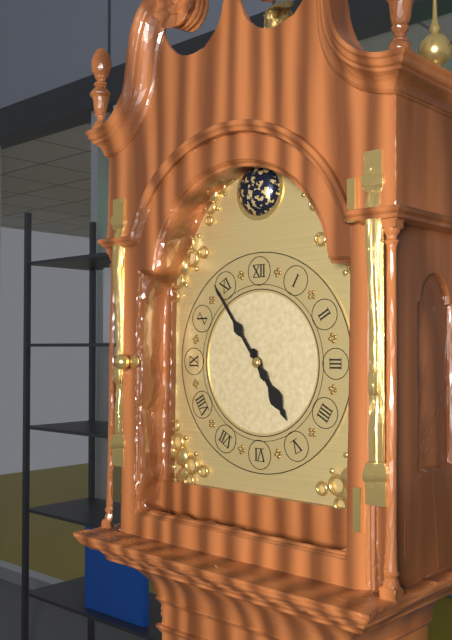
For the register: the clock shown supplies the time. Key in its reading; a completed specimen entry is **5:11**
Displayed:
**4:54**
